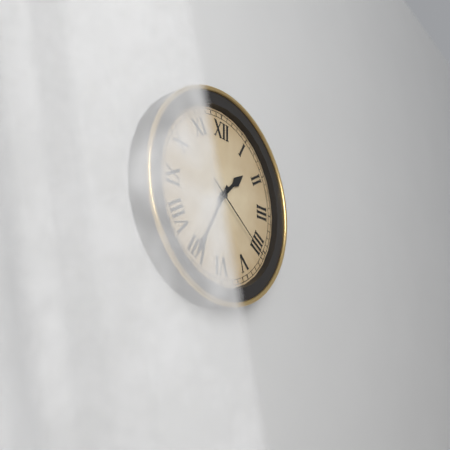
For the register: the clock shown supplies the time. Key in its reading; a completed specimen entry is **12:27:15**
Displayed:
**1:35:21**
